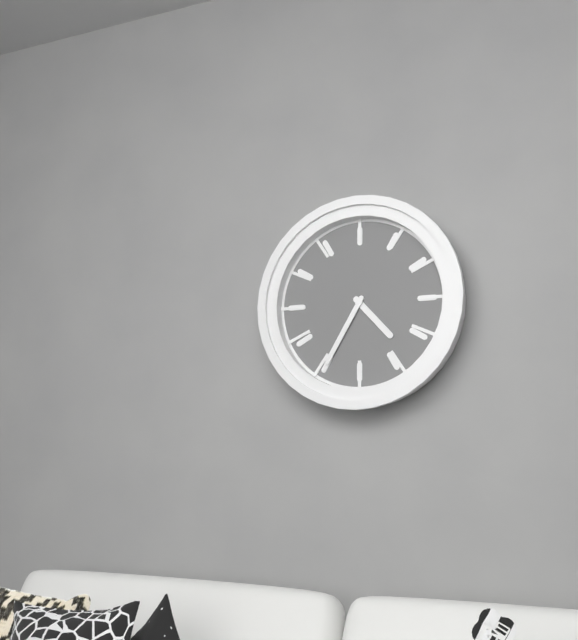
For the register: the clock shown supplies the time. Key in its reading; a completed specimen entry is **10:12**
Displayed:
**4:35**
